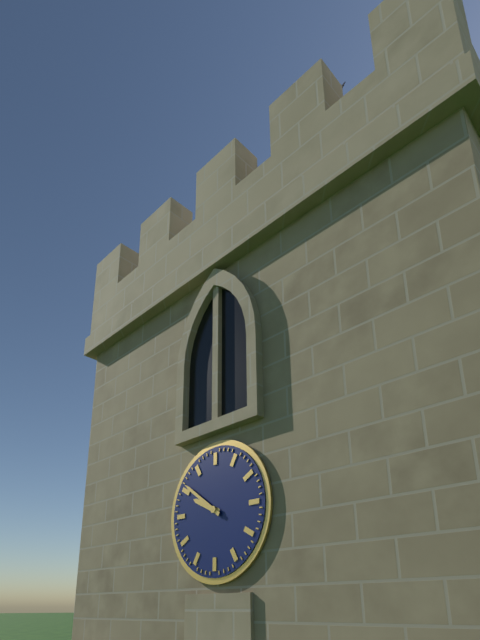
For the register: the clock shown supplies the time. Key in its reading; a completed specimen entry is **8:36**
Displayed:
**9:51**
